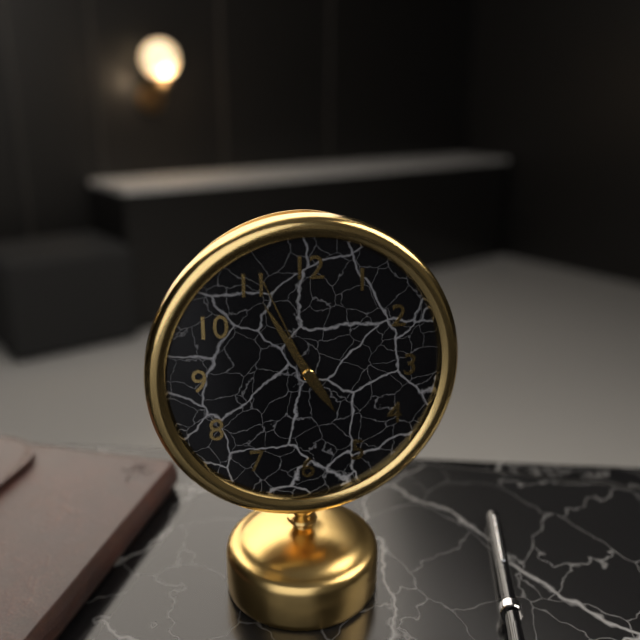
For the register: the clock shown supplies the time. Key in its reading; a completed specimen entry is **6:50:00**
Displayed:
**4:55:56**
